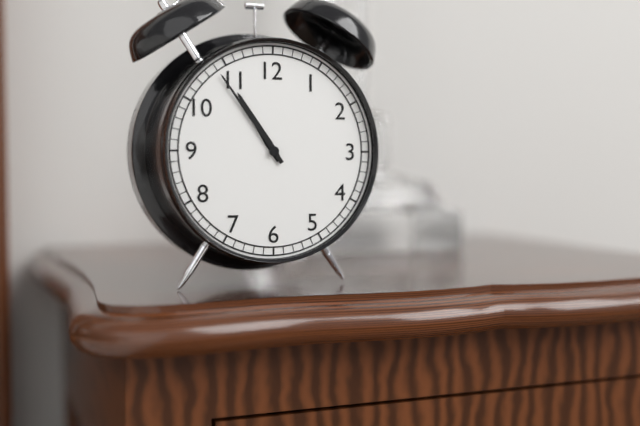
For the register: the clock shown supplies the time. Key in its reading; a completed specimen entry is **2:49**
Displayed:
**10:54**
